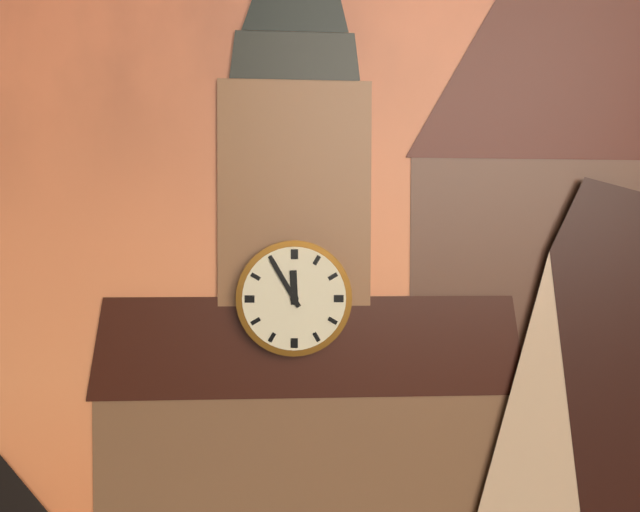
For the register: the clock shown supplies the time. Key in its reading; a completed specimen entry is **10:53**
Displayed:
**11:55**
